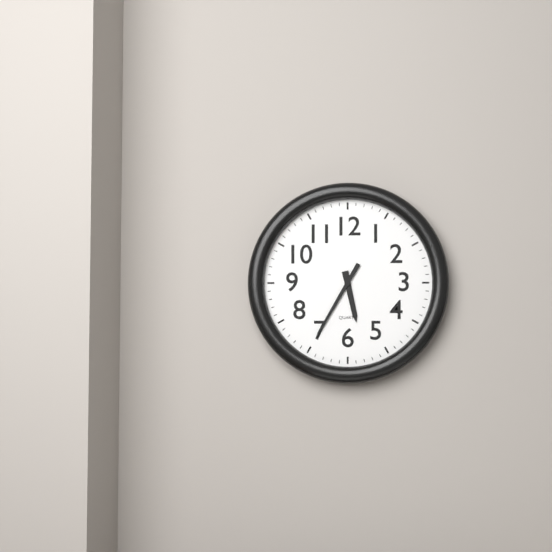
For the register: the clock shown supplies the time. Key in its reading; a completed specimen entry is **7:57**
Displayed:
**5:35**
